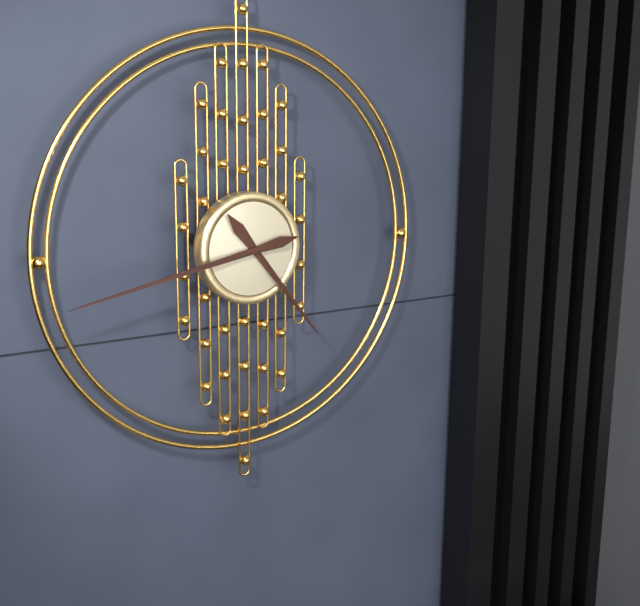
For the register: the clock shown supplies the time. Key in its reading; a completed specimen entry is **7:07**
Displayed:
**4:43**
